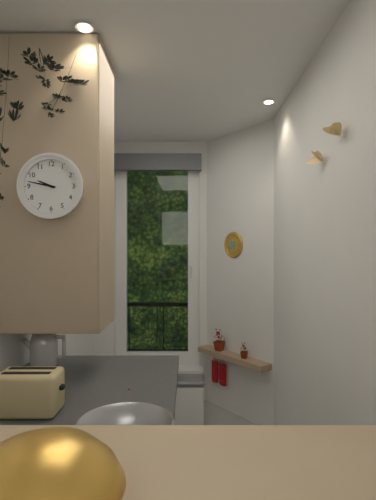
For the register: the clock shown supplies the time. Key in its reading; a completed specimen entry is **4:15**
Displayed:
**9:47**
